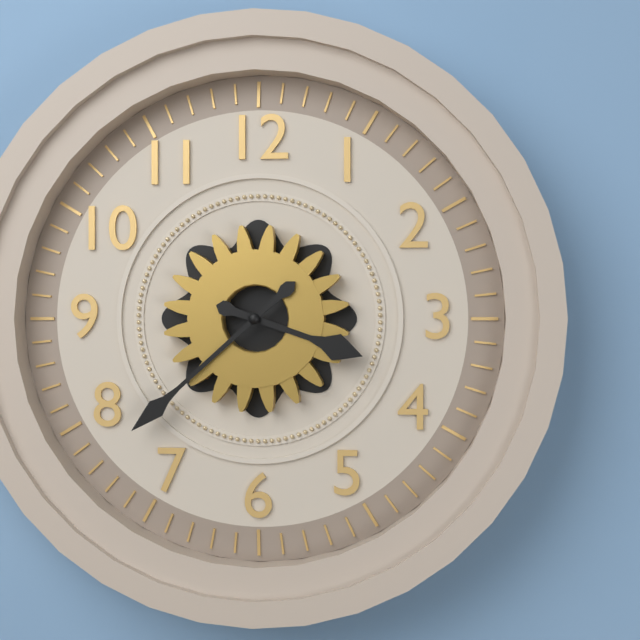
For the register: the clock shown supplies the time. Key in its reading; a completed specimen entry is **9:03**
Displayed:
**3:38**
